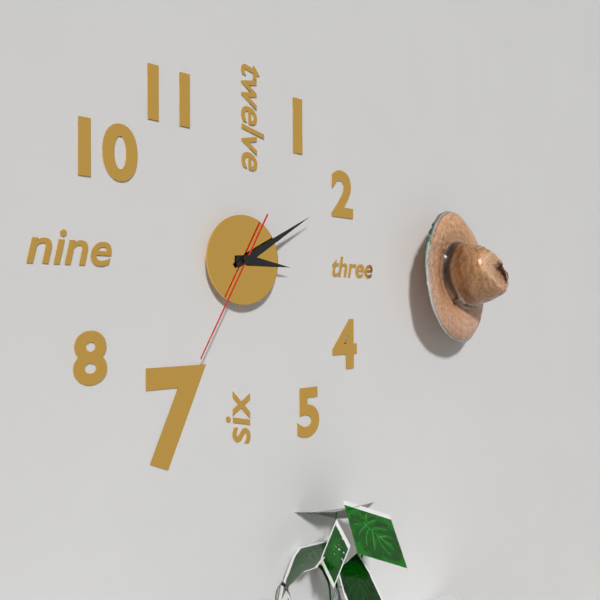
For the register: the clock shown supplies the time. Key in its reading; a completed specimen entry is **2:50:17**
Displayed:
**3:10:35**
